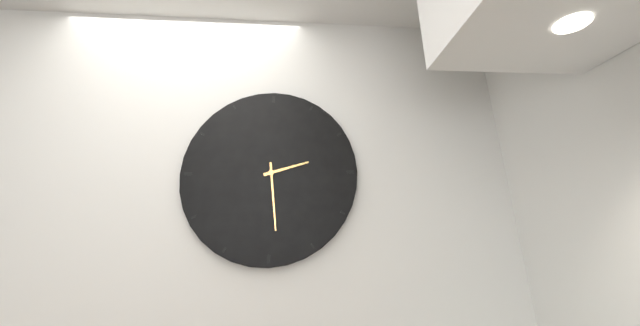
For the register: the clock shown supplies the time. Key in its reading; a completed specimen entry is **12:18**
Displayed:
**2:29**
